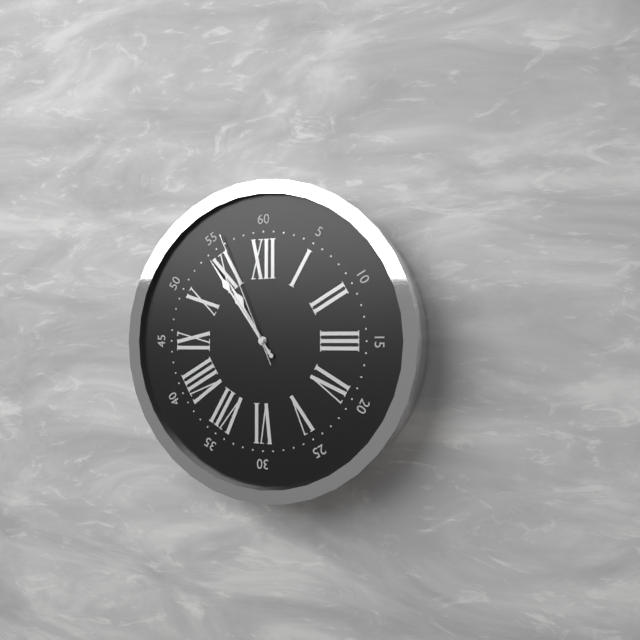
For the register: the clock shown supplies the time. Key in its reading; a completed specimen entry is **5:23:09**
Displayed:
**10:54:56**
